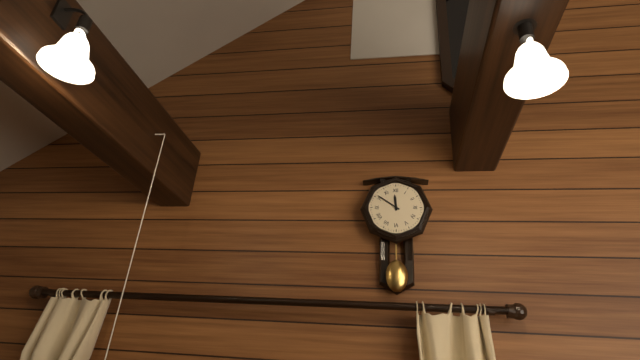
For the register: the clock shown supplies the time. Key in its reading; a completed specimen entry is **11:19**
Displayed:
**11:51**
